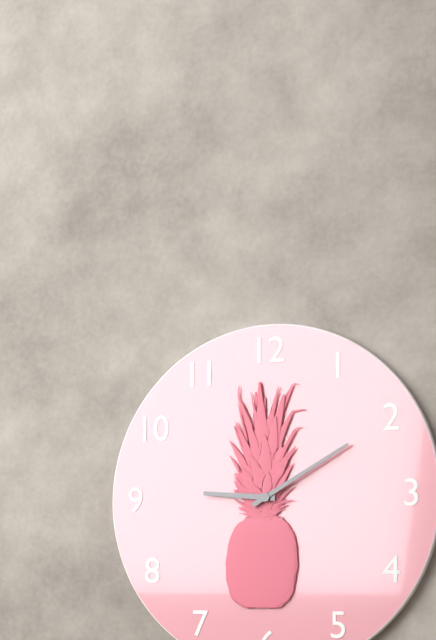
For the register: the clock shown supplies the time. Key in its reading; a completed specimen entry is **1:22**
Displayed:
**9:10**
